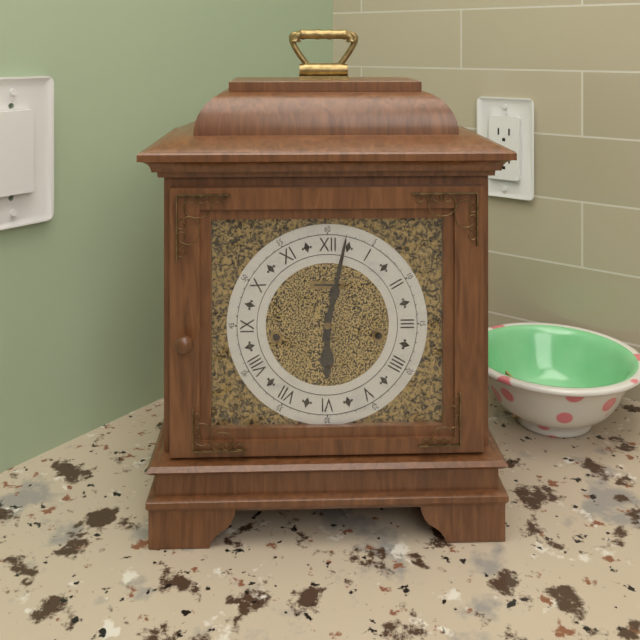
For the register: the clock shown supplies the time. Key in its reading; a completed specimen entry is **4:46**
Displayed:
**6:02**
